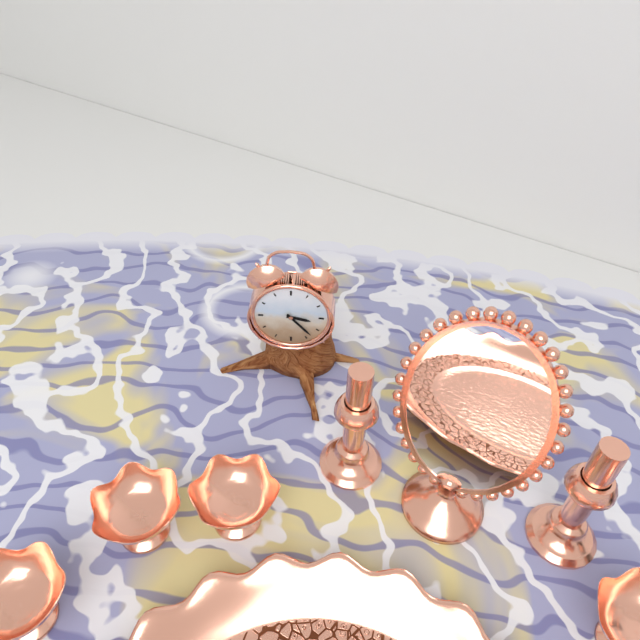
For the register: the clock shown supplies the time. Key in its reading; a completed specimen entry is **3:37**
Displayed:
**3:23**
